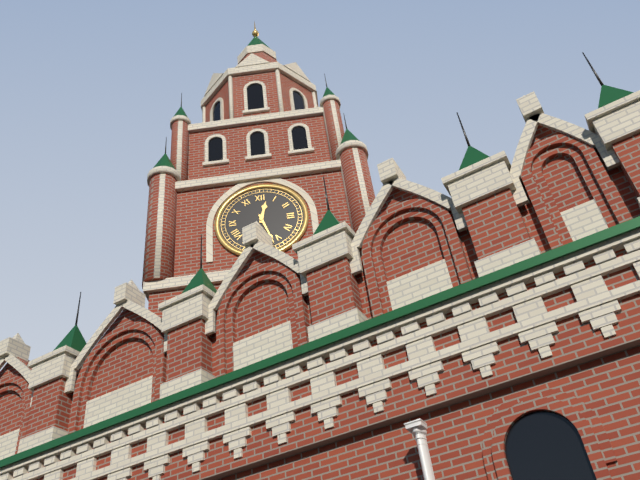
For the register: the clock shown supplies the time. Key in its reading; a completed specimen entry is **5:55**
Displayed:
**12:27**
